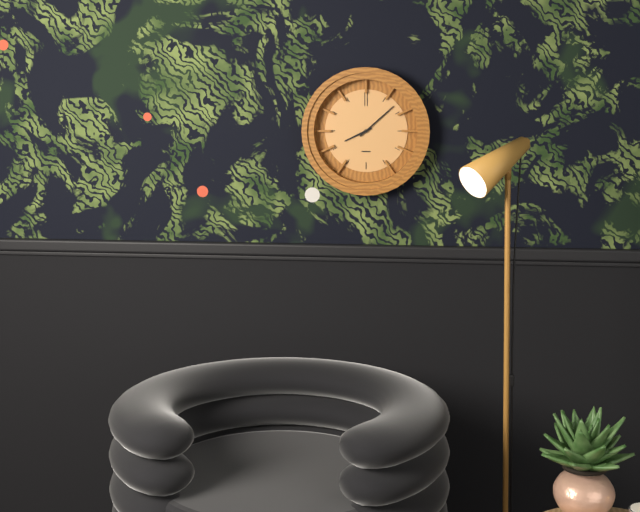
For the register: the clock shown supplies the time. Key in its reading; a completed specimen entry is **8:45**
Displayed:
**8:08**
